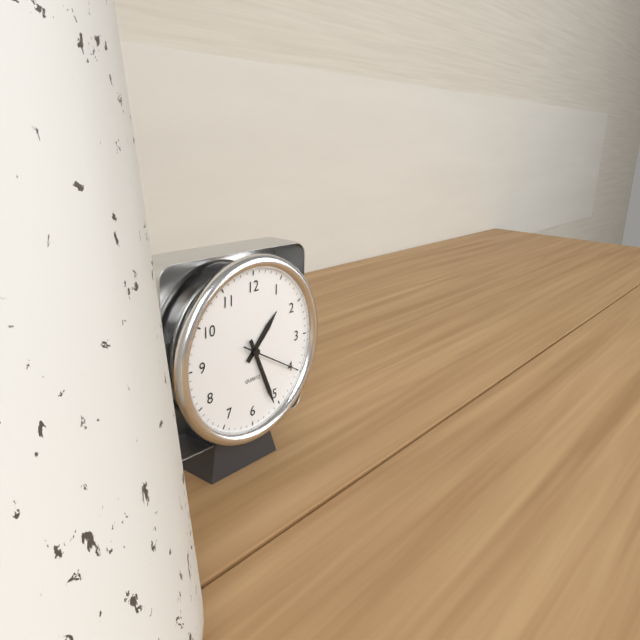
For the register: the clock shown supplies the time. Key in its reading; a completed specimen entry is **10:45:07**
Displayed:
**1:26:20**
